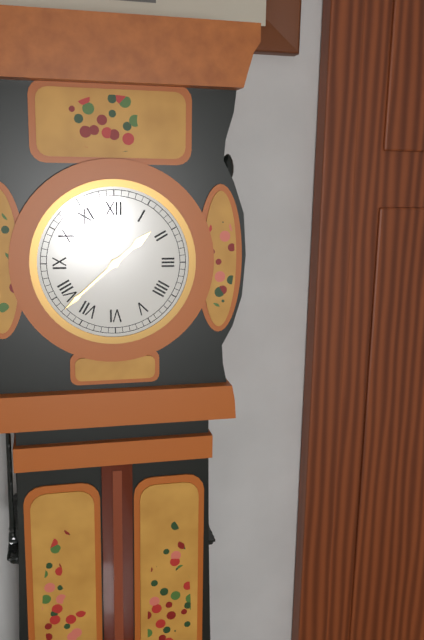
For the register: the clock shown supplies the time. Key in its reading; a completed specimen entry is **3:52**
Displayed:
**1:38**
